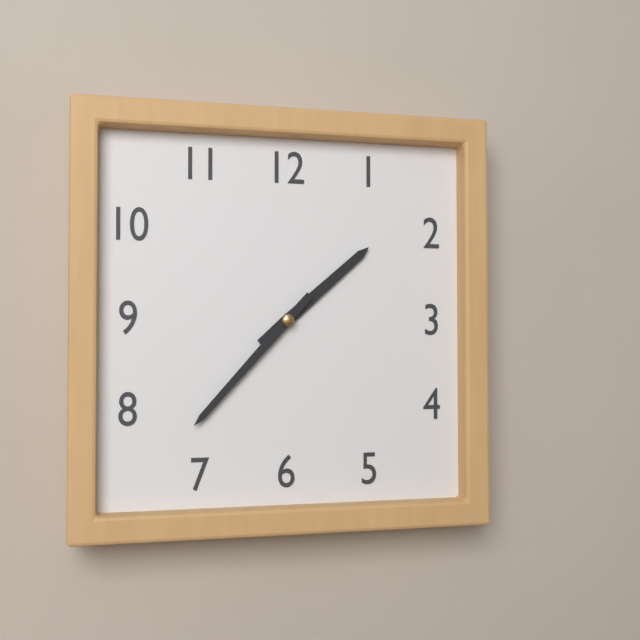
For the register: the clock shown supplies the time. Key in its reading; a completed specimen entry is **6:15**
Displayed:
**1:37**
